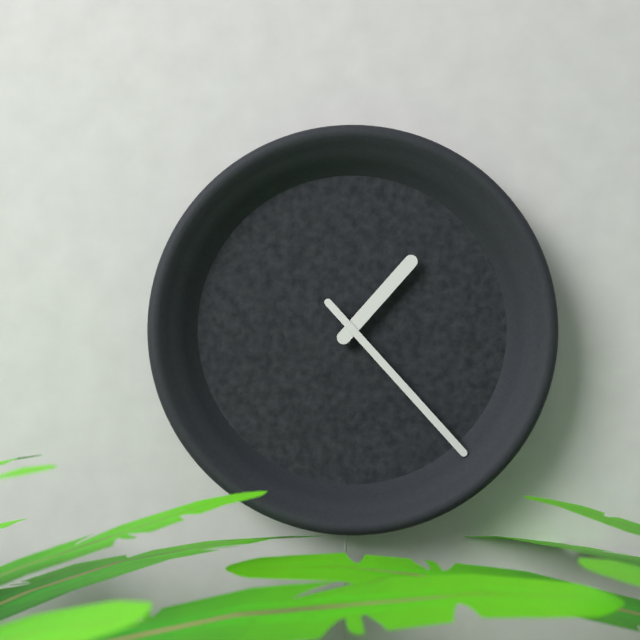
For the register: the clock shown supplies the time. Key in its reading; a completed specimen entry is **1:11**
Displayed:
**1:23**
